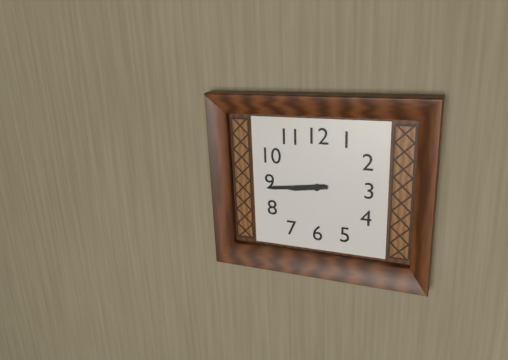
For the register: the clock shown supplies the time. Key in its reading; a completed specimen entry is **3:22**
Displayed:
**8:44**
